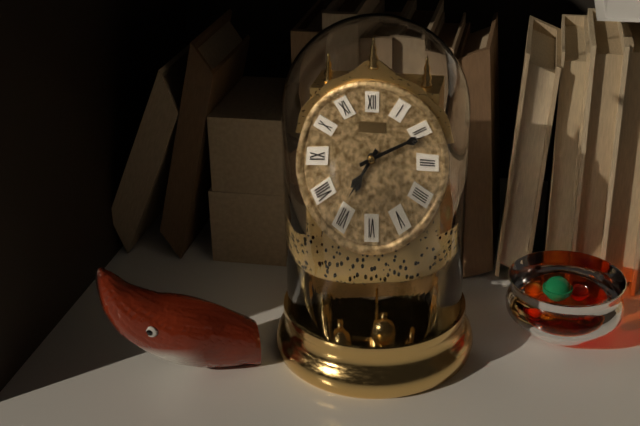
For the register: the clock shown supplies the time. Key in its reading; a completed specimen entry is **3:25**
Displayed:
**7:11**
